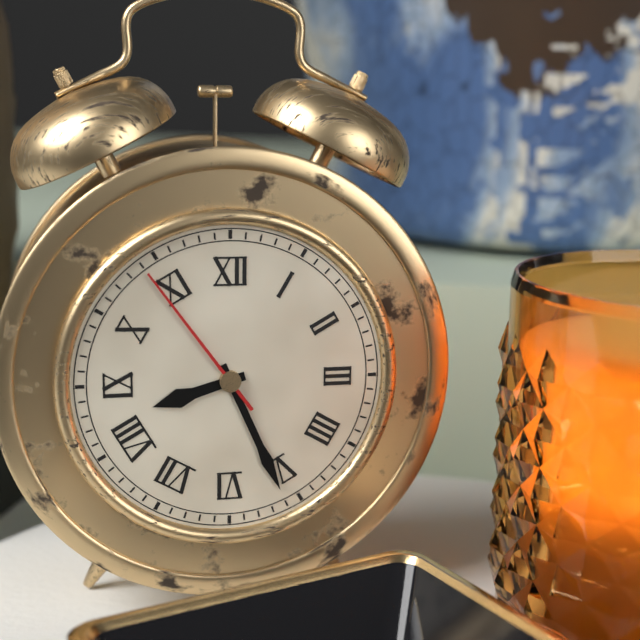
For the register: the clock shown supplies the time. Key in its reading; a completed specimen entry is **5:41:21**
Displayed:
**8:26:54**
